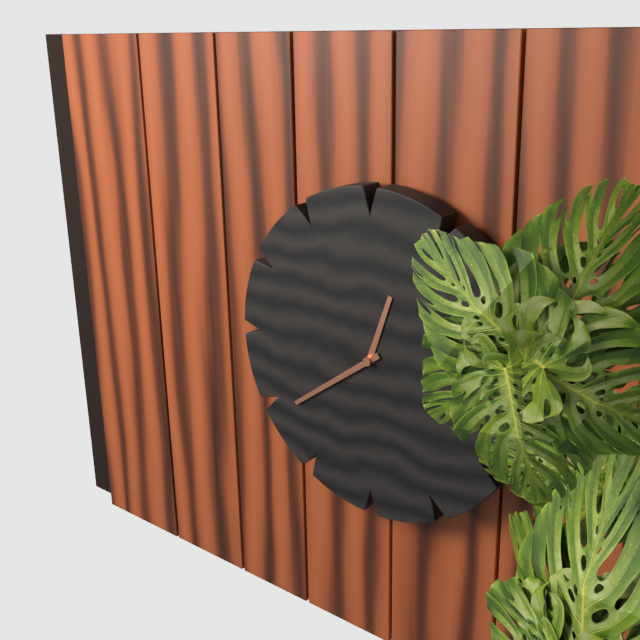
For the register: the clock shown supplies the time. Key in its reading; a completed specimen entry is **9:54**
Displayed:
**12:39**
